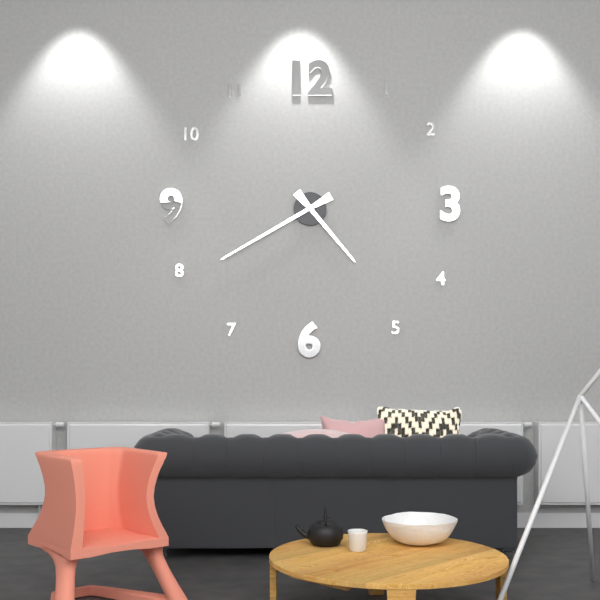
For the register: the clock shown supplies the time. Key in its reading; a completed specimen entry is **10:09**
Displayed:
**4:40**
